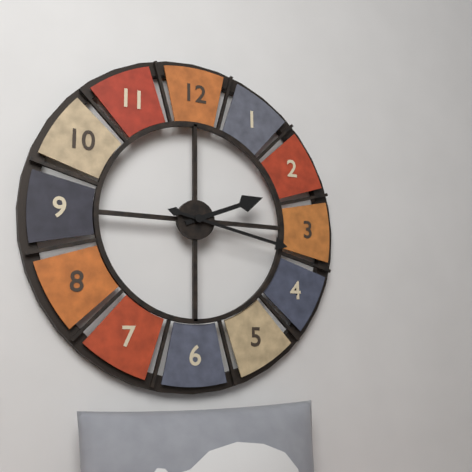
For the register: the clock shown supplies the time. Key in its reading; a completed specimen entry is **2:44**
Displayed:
**2:17**
